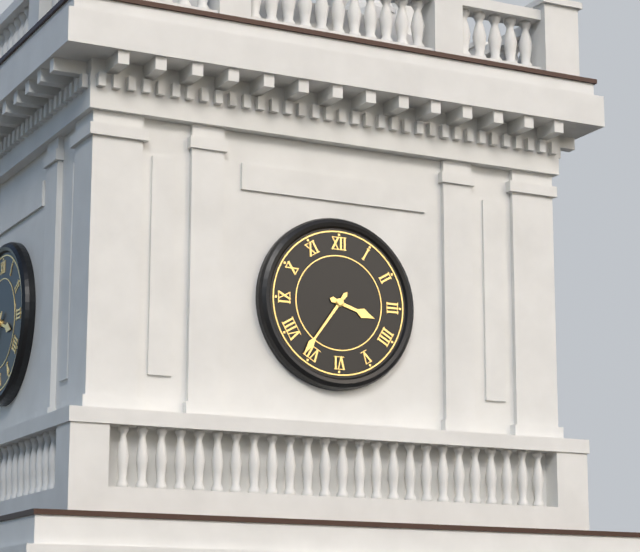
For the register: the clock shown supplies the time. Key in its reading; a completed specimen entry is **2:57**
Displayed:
**3:36**
